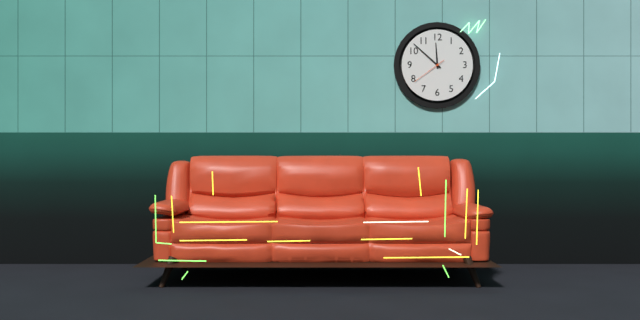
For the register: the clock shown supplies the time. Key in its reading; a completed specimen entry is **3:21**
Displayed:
**11:52**
